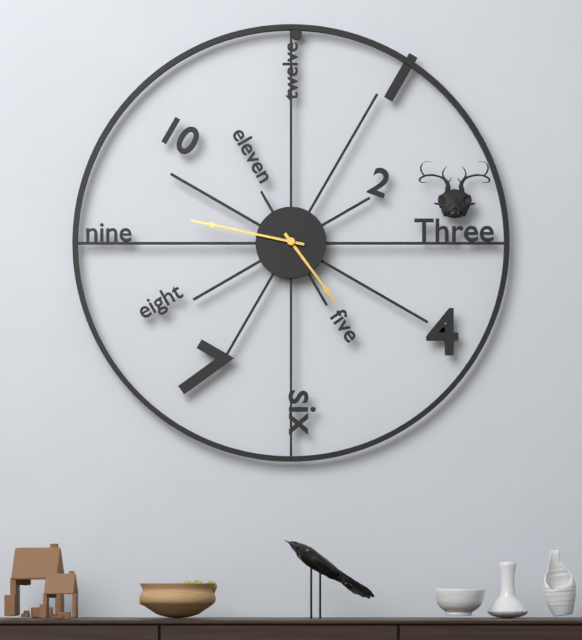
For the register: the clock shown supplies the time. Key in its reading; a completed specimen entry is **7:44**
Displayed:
**4:47**
